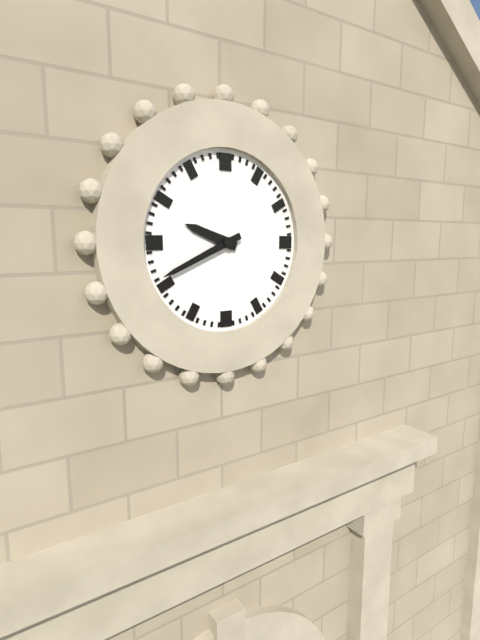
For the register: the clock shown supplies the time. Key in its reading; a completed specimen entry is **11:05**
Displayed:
**9:41**
